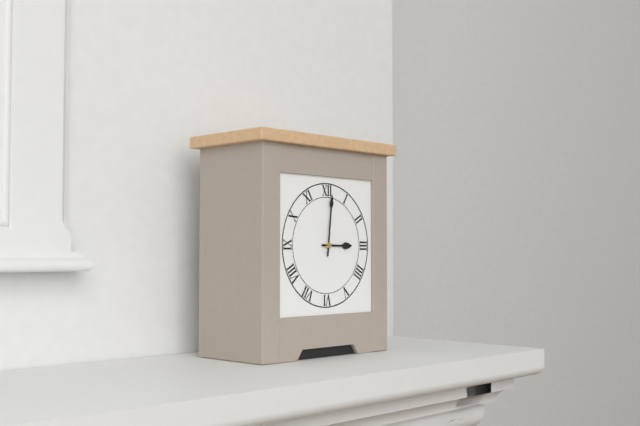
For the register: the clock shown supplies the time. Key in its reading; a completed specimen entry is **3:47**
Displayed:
**3:01**
